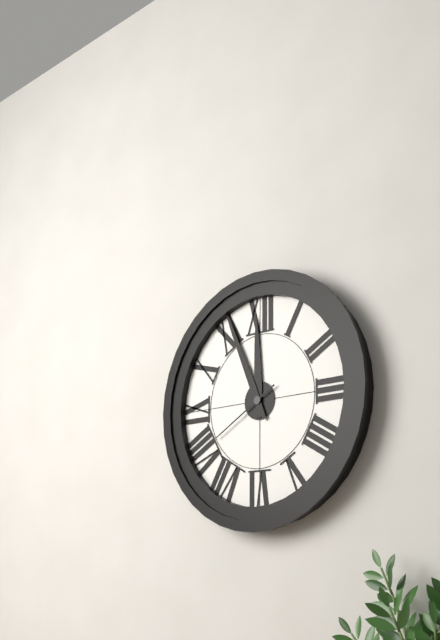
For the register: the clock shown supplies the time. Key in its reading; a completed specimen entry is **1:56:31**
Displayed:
**11:56:40**
